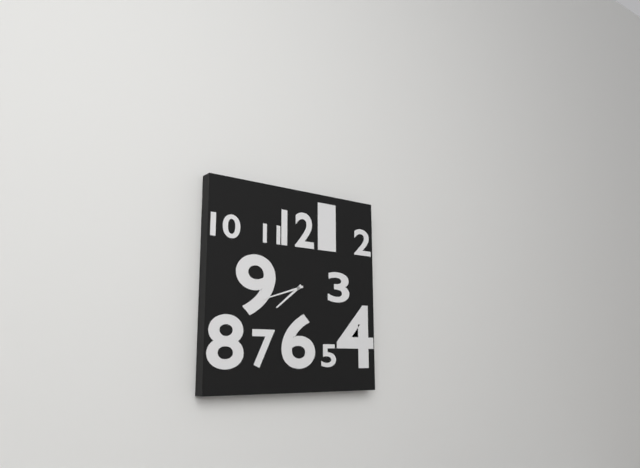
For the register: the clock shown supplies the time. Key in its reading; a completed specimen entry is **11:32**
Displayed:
**7:42**
